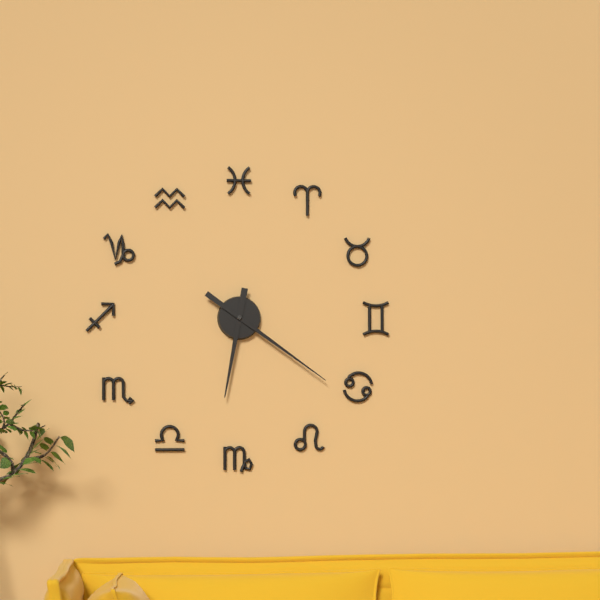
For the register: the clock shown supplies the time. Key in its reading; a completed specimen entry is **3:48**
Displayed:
**6:21**
